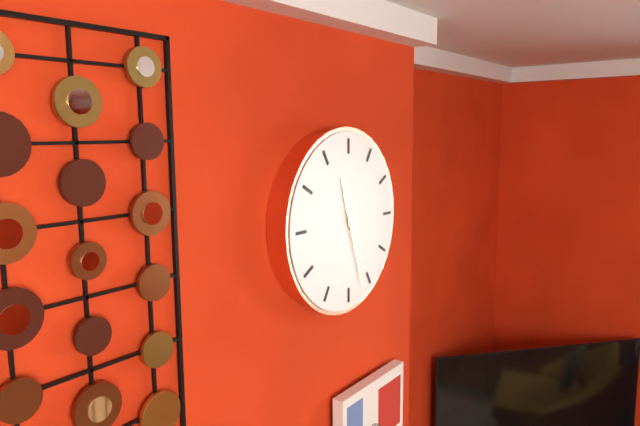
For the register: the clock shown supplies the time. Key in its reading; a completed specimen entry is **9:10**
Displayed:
**11:27**
